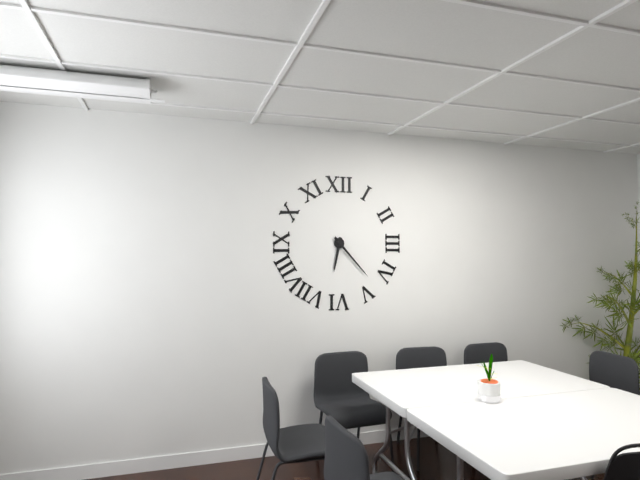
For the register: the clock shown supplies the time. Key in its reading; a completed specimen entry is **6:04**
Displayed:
**6:23**
